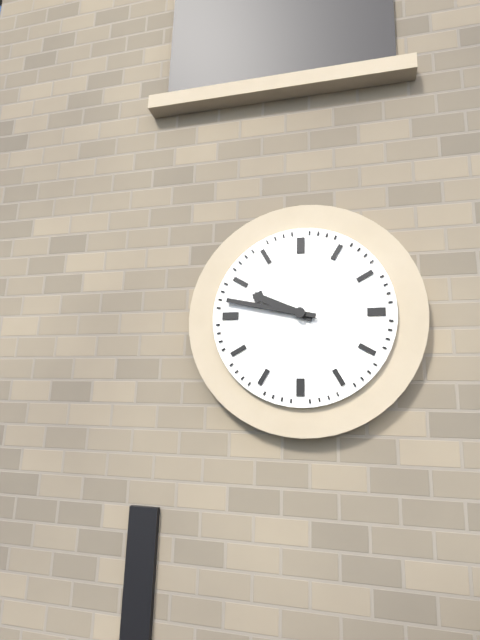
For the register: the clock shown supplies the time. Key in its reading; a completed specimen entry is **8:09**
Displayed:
**9:47**
